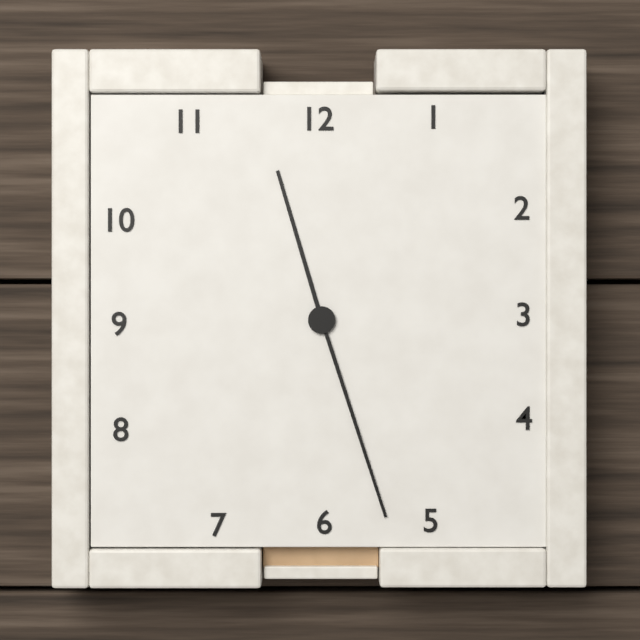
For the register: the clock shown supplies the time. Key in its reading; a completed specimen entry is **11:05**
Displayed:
**11:27**
